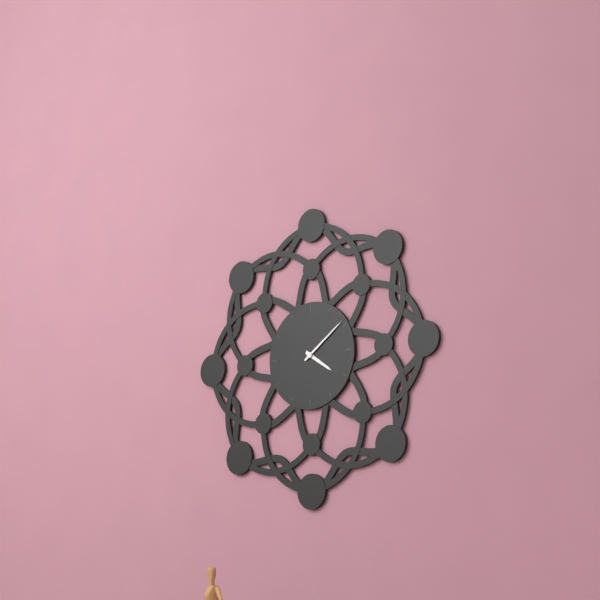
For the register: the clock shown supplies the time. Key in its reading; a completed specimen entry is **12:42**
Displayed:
**4:09**
